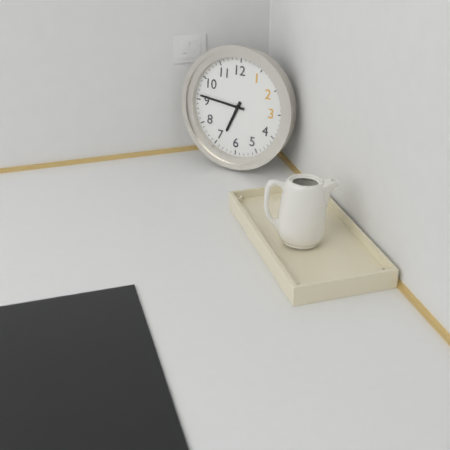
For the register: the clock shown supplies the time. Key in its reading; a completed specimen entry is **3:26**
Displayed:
**6:46**
